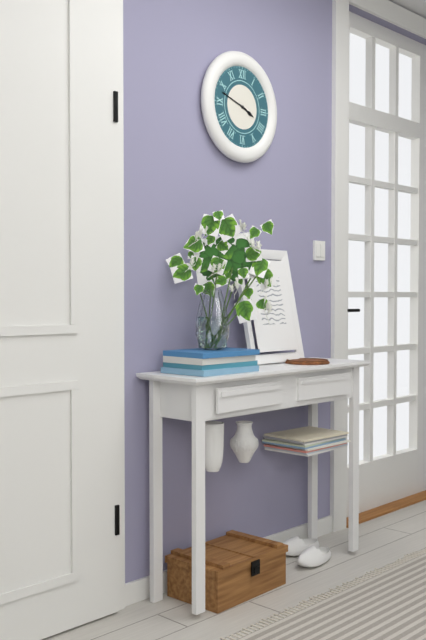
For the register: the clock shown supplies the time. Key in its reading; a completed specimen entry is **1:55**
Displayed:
**3:48**
